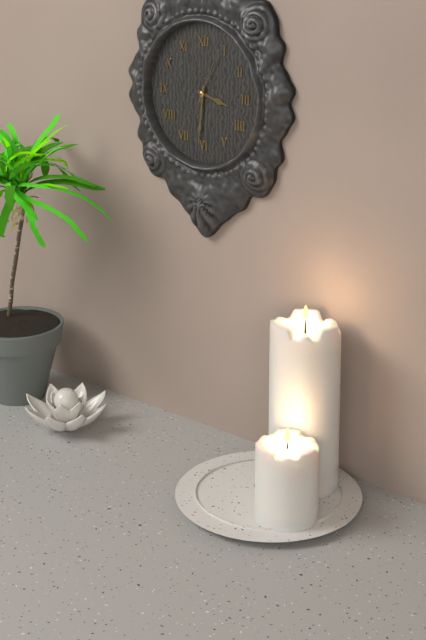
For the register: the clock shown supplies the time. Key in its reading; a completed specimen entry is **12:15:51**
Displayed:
**3:31:04**
